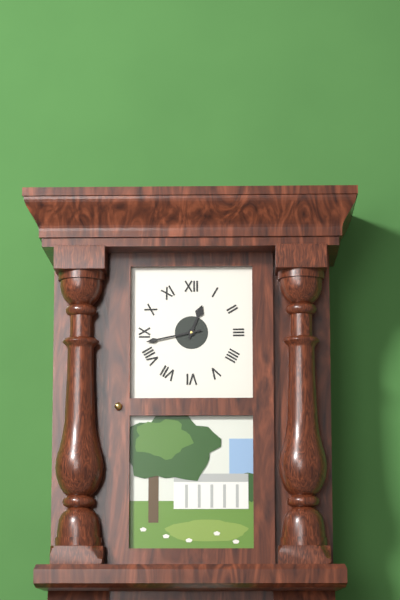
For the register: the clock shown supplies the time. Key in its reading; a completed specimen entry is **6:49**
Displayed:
**12:43**
